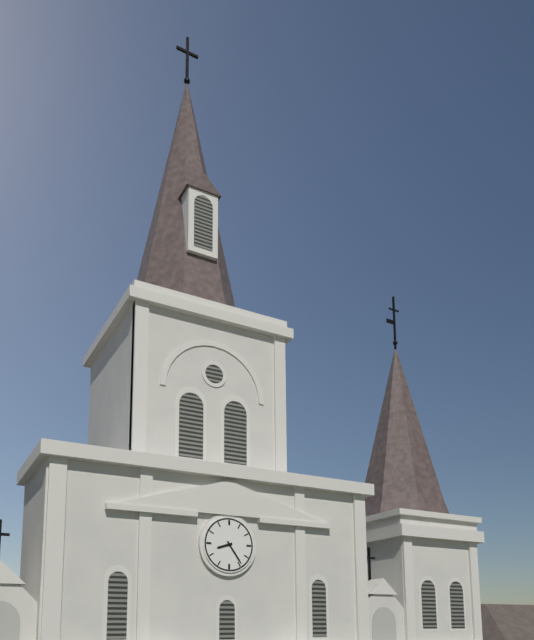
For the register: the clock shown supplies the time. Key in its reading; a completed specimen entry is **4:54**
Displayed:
**8:24**
